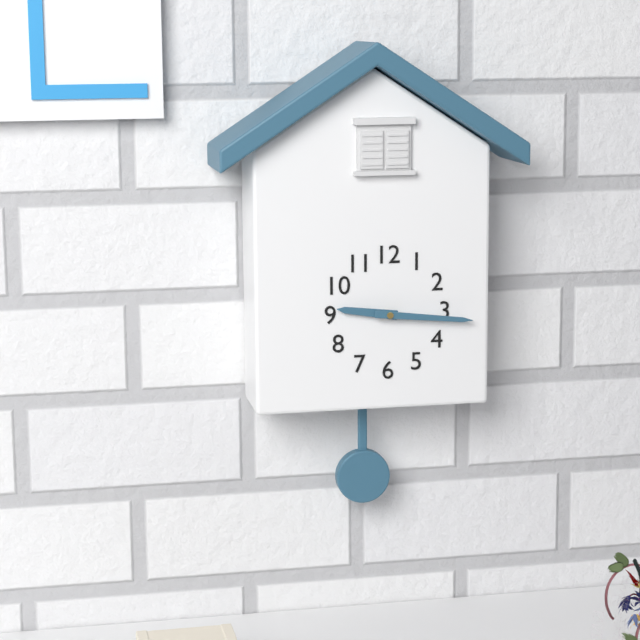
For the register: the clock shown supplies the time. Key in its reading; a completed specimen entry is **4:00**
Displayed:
**9:16**
